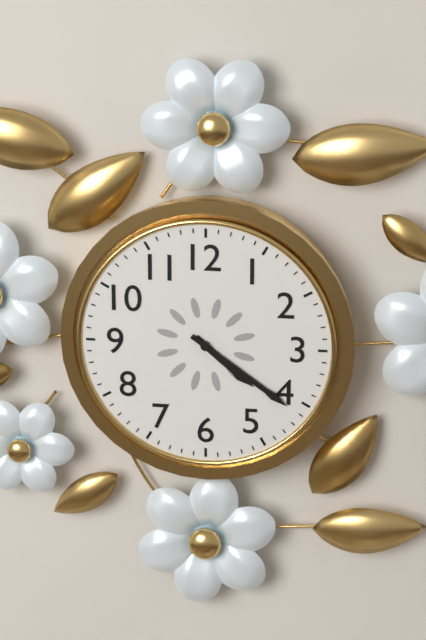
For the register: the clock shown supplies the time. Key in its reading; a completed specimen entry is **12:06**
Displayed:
**4:21**
